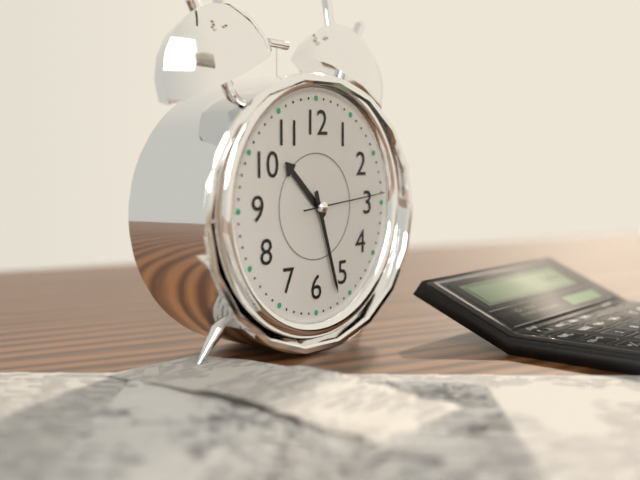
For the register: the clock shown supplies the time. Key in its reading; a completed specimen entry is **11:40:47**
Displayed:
**10:27:14**
